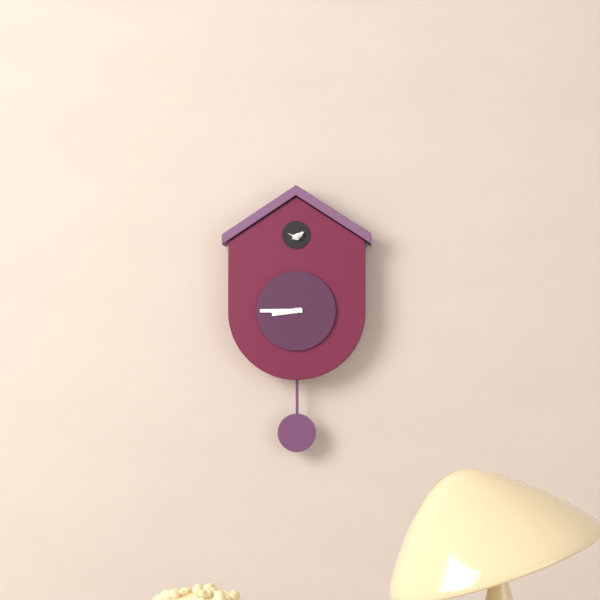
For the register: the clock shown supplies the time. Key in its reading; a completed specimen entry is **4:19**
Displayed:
**8:45**
